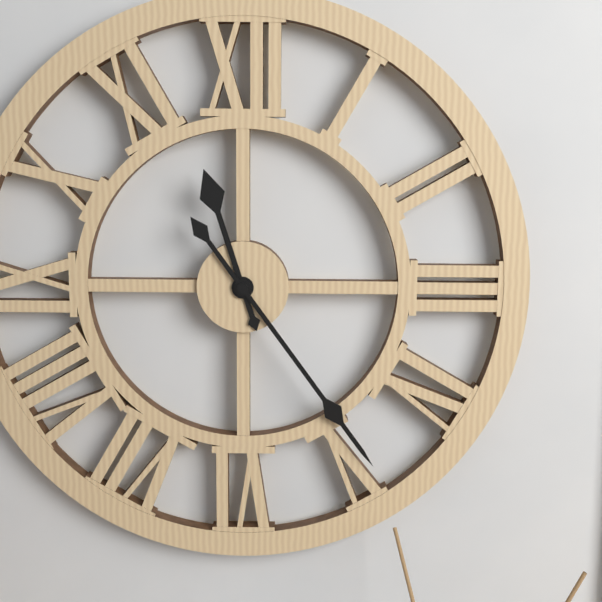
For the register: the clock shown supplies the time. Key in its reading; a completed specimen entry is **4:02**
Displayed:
**11:24**
